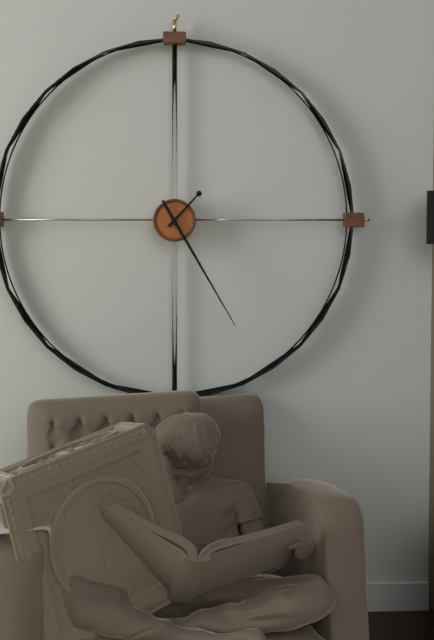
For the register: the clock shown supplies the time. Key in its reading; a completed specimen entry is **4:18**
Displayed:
**1:25**
